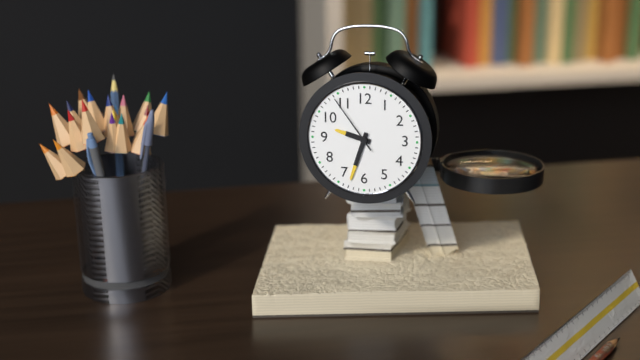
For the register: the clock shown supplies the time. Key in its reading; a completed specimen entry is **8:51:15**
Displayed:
**9:33:54**
